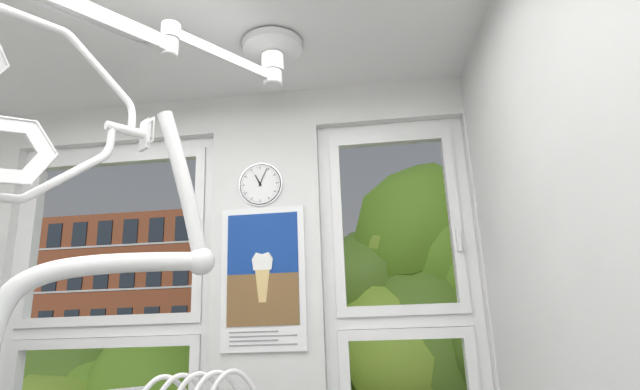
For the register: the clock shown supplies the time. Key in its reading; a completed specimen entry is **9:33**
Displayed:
**11:04**
